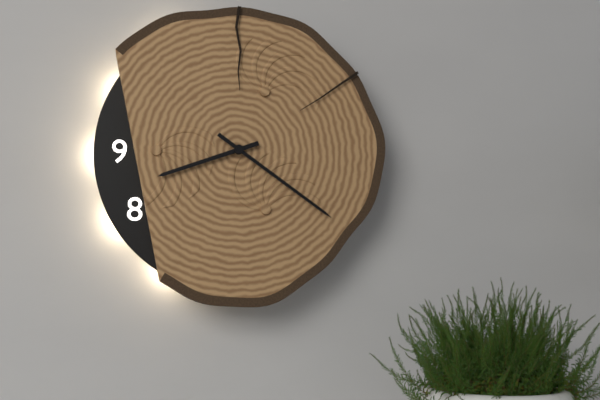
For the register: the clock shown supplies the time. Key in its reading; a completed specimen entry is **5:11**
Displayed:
**8:21**
